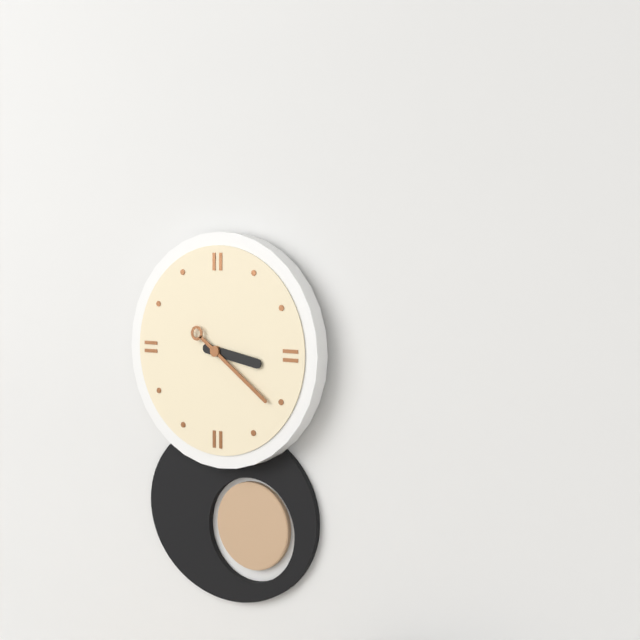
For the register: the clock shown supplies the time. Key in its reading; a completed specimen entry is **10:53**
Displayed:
**3:21**
